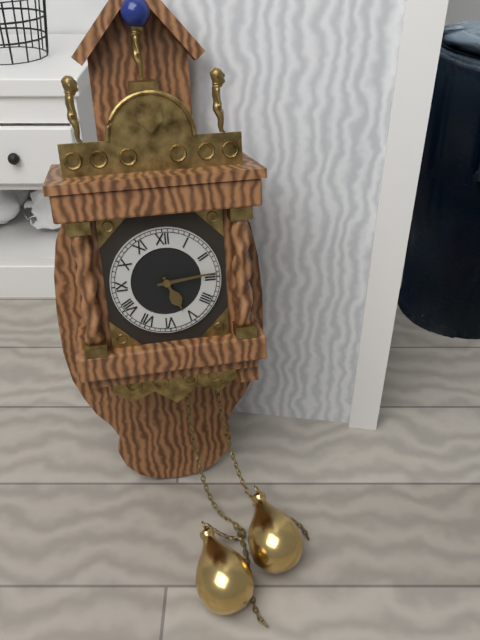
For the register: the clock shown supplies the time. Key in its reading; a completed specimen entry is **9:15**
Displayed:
**5:14**
